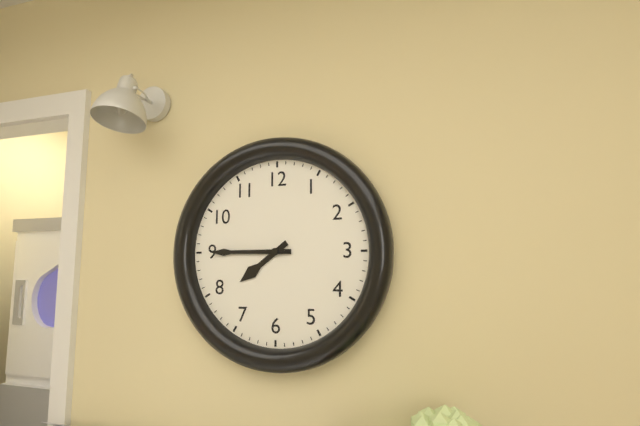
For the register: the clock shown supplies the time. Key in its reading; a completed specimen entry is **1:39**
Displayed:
**7:45**
